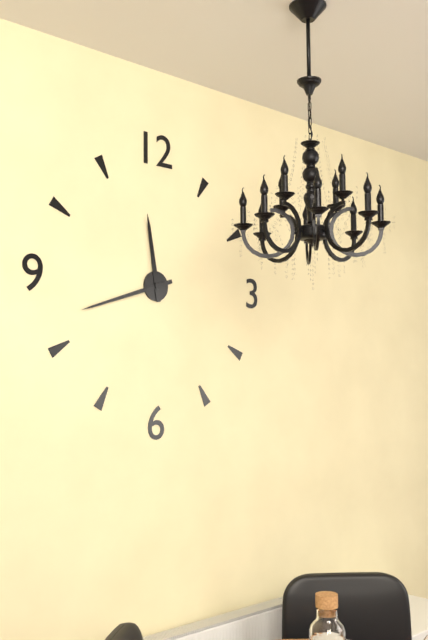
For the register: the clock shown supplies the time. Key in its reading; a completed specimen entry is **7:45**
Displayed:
**11:42**
